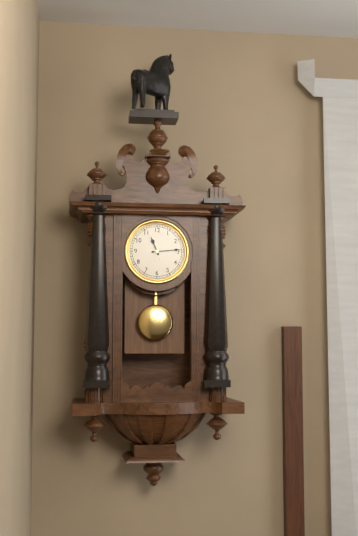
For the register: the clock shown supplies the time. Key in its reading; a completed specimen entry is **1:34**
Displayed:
**11:14**
